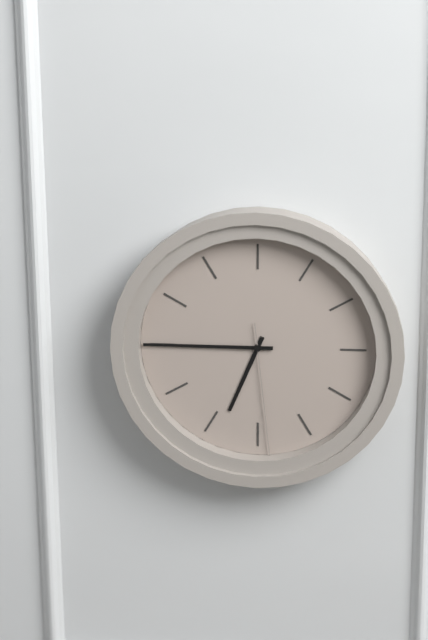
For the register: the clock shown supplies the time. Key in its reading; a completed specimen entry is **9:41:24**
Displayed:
**6:45:29**
